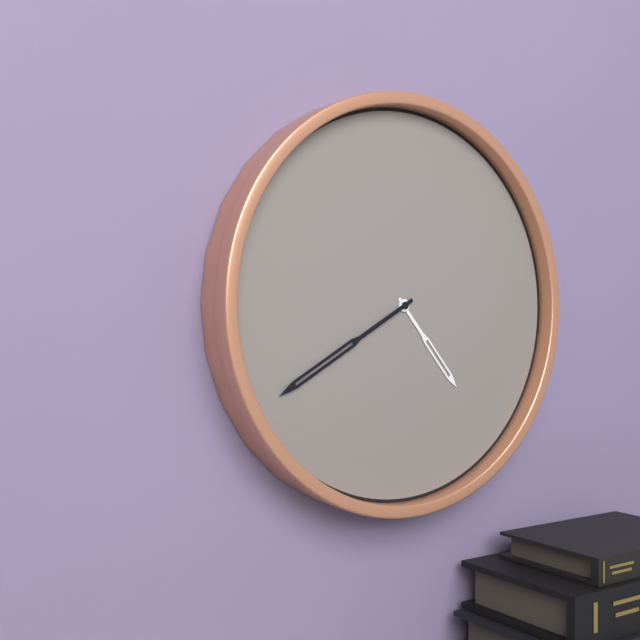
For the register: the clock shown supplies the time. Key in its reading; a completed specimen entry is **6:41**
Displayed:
**4:40**
